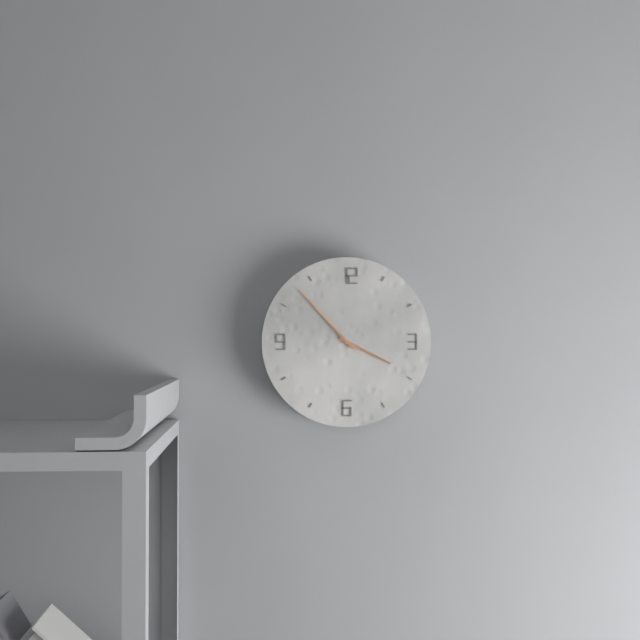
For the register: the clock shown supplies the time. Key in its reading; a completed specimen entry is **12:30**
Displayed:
**3:53**
